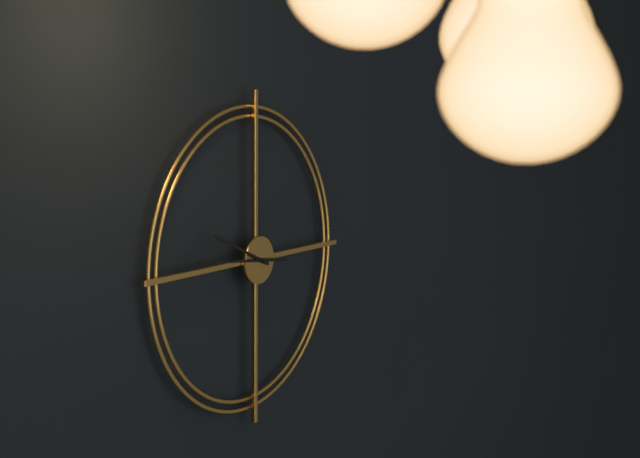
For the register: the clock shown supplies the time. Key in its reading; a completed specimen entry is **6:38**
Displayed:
**9:46**
